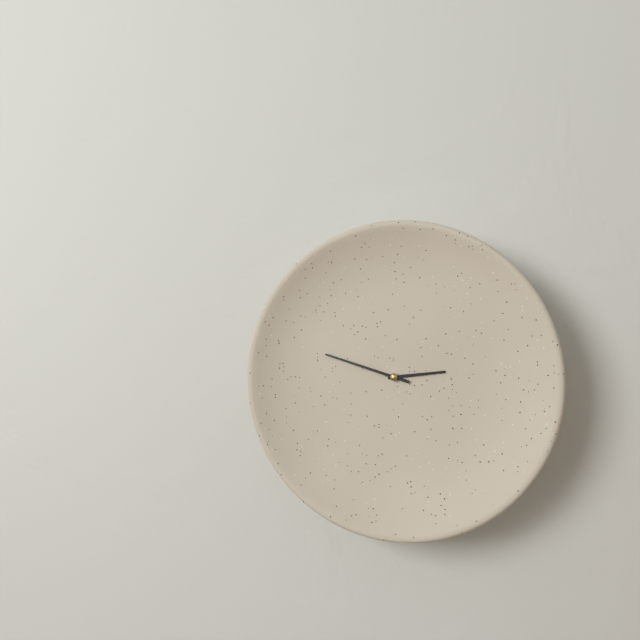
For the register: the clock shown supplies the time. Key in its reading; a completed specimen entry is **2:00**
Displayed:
**2:48**
